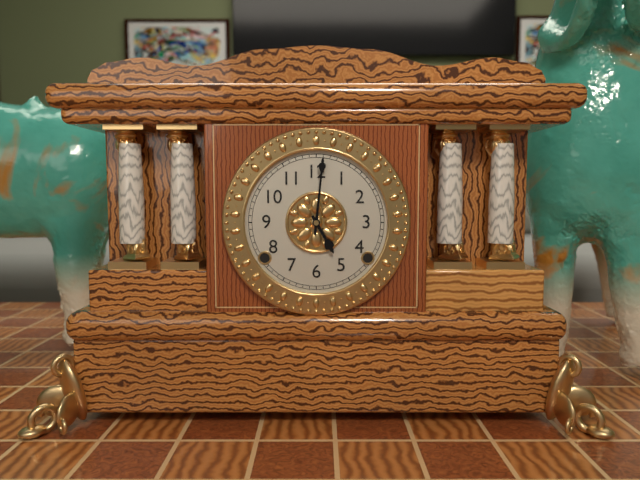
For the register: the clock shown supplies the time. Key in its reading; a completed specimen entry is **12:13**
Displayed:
**5:01**
